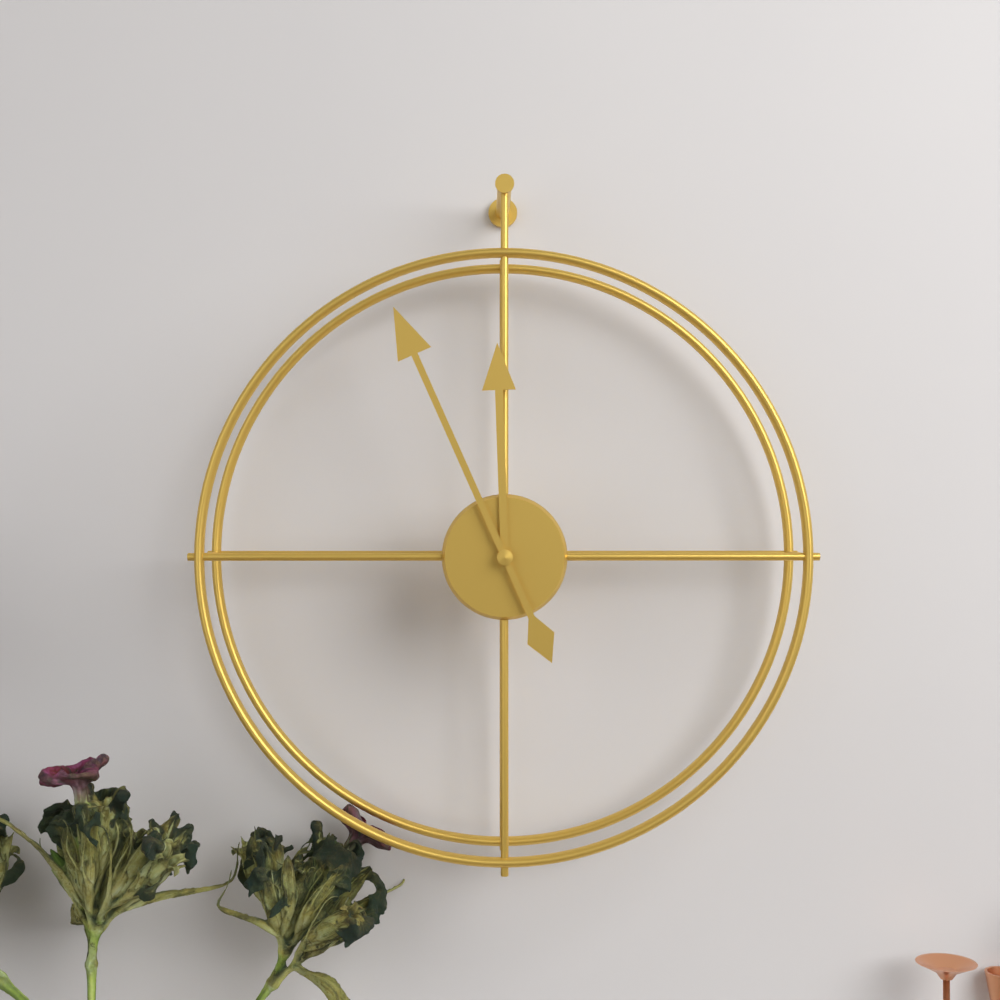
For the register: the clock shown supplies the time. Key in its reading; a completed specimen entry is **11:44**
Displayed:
**11:56**
